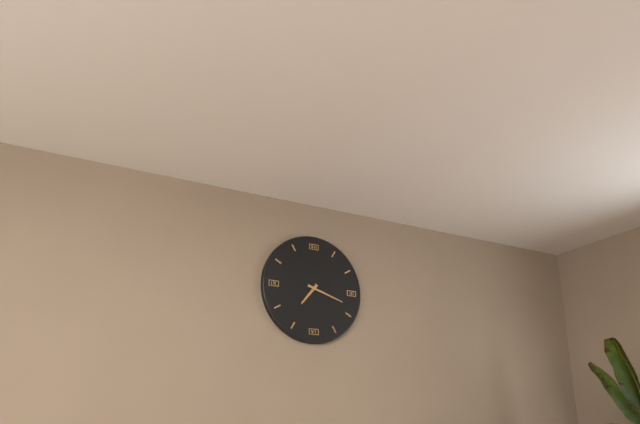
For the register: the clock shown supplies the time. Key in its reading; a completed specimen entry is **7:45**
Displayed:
**7:18**
